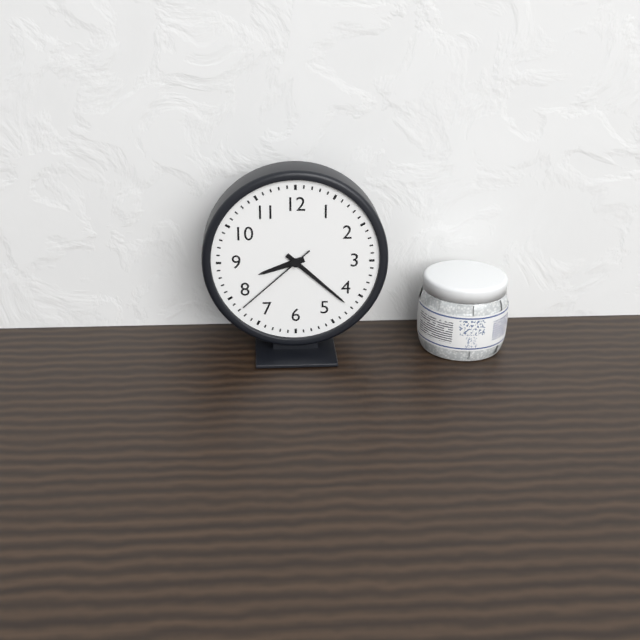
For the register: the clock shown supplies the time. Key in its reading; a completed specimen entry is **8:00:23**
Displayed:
**8:22:38**
